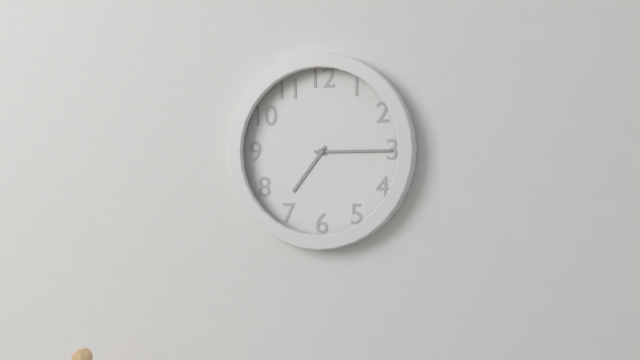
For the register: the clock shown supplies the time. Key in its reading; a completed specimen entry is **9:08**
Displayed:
**7:15**
